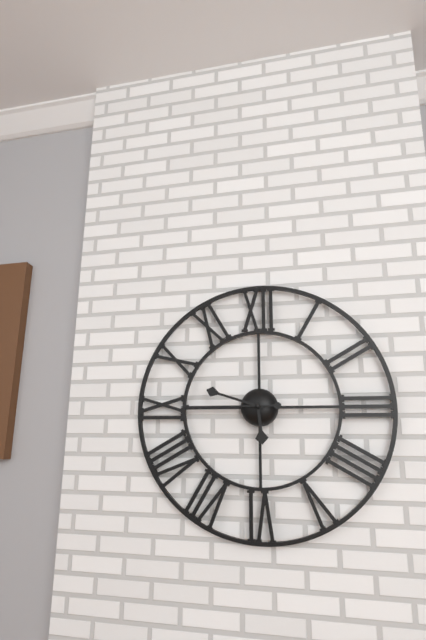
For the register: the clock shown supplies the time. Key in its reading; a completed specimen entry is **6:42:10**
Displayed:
**5:48:45**
